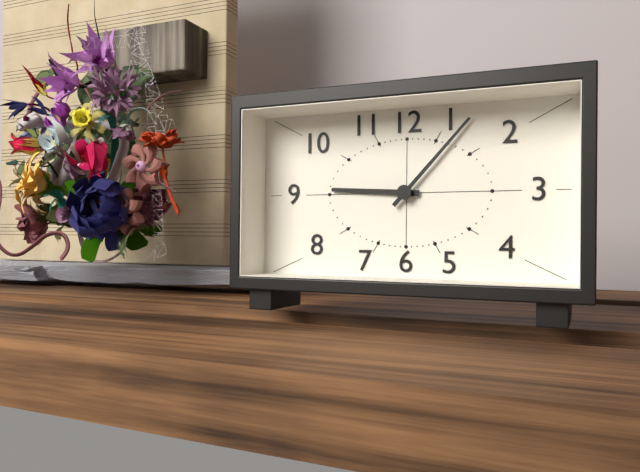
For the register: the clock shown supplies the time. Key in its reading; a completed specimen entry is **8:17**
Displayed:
**9:07**
